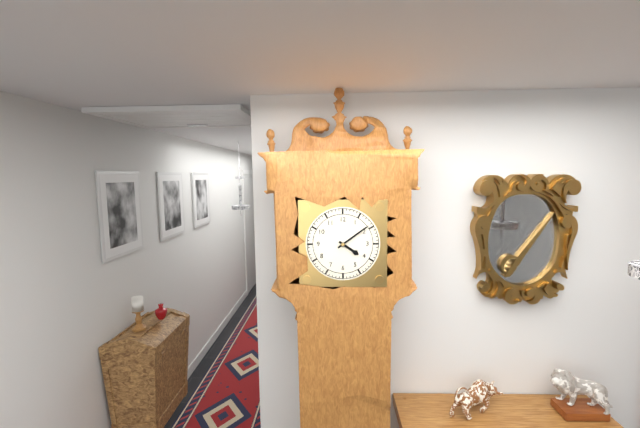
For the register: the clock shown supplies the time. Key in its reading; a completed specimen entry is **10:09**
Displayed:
**4:09**
